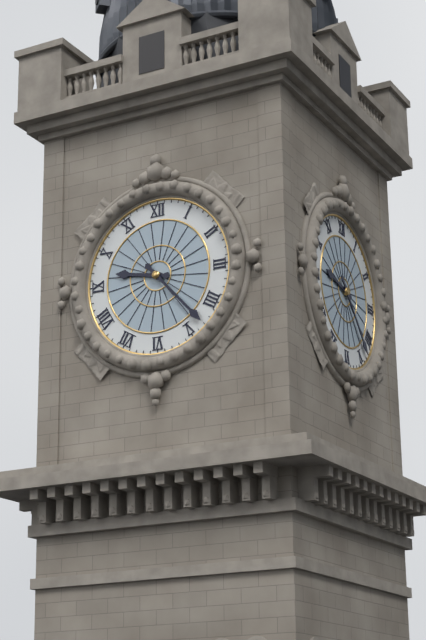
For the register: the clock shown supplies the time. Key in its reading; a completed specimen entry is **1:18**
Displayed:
**9:23**
